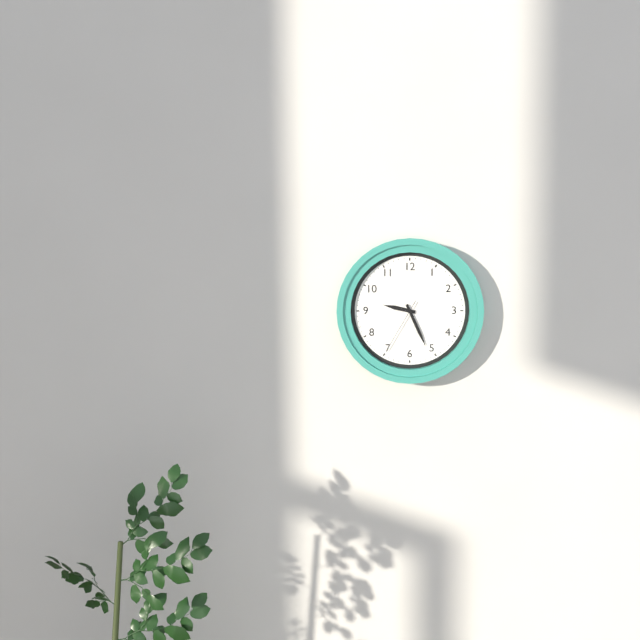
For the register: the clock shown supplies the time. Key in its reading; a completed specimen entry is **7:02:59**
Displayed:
**9:26:35**
